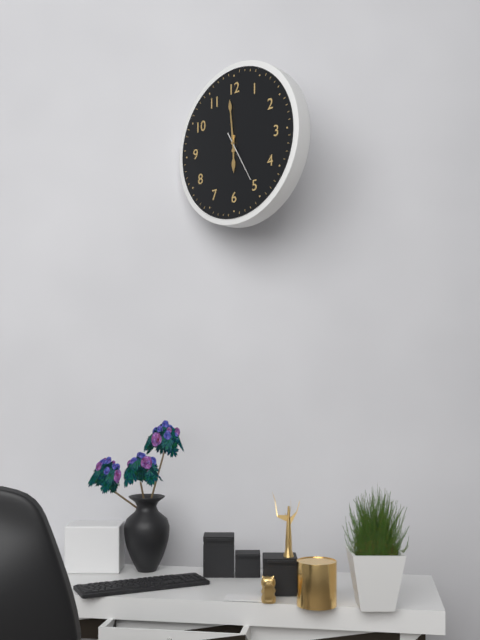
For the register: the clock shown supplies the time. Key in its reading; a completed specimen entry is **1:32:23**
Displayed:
**5:59:25**
